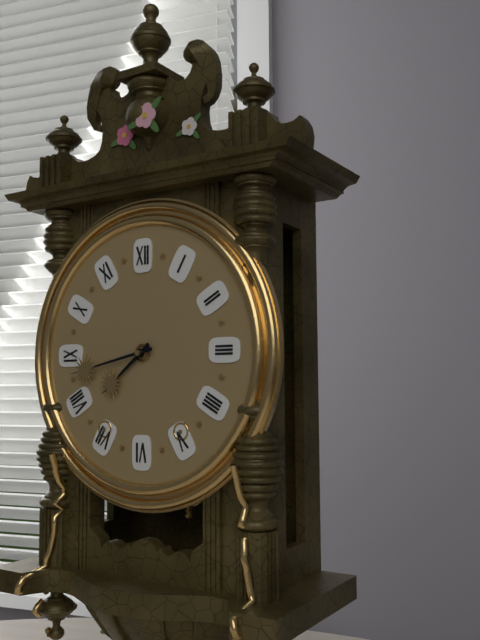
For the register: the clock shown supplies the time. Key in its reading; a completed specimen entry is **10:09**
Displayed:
**7:43**
